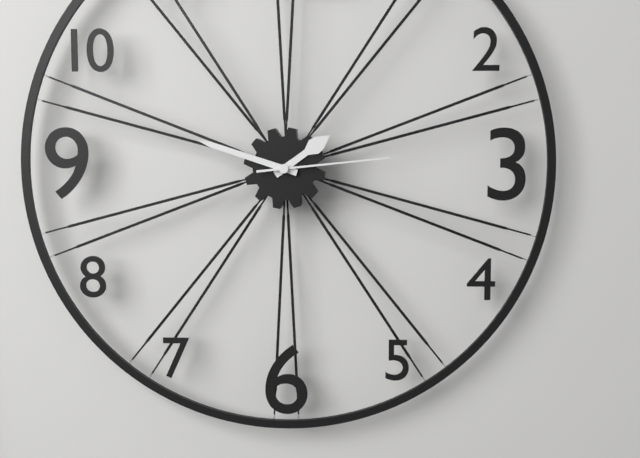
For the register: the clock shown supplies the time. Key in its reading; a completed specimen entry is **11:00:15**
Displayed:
**1:48:14**
